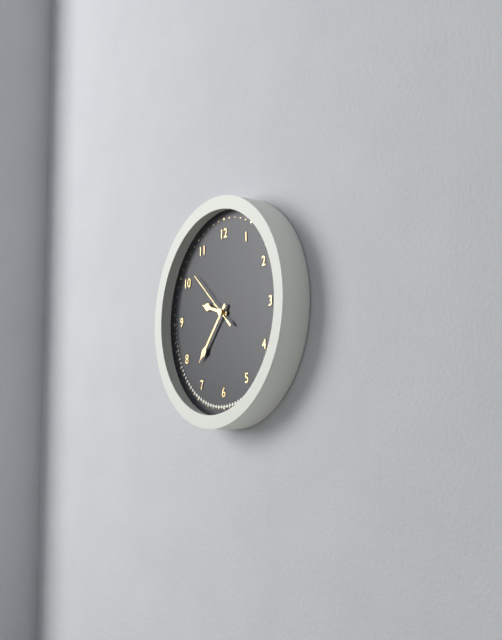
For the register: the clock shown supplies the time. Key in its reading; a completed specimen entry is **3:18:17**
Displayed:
**9:37:52**
